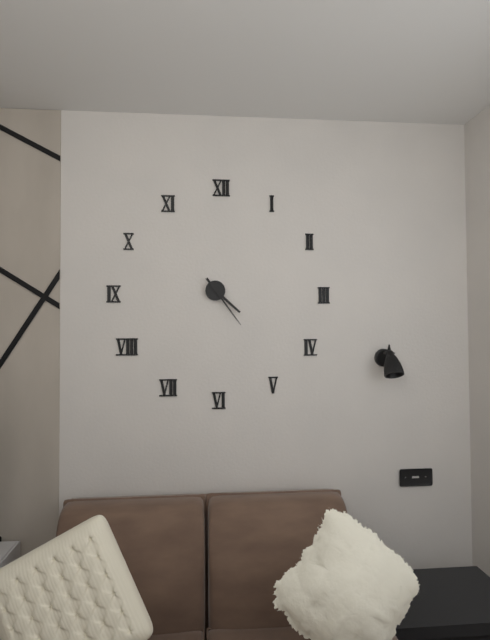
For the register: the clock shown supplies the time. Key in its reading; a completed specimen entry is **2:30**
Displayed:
**4:24**
